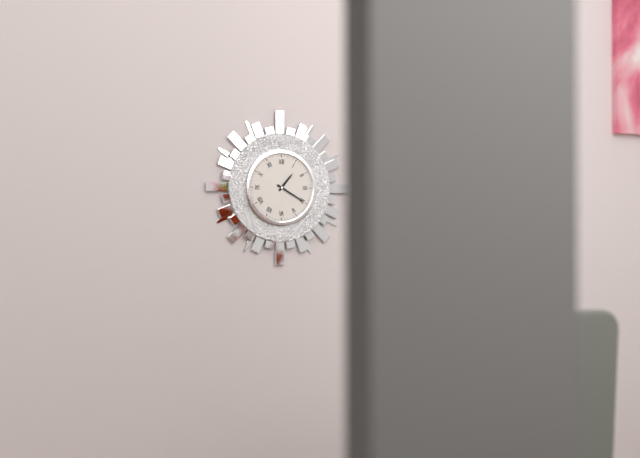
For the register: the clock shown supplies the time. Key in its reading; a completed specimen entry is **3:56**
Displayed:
**1:20**
